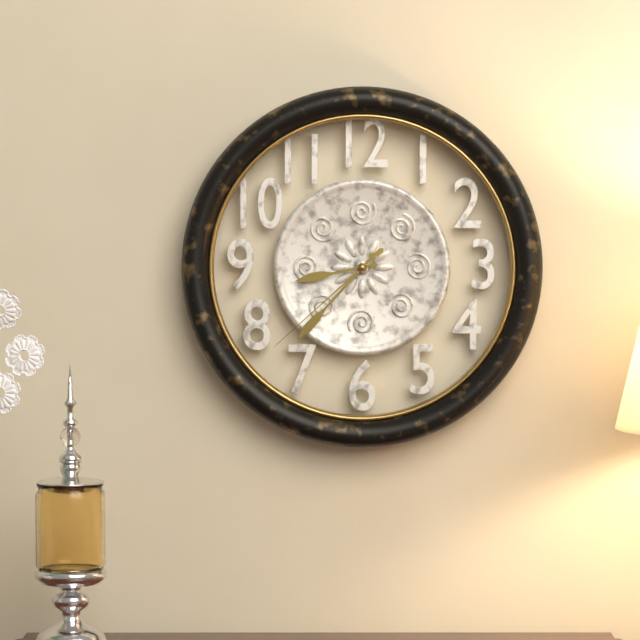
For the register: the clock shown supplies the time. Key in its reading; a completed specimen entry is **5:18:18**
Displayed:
**8:37:38**
